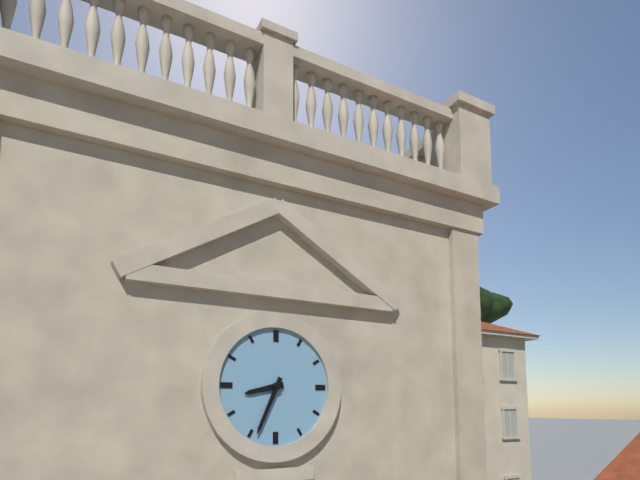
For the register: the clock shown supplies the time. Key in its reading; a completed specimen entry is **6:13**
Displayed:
**8:34**
